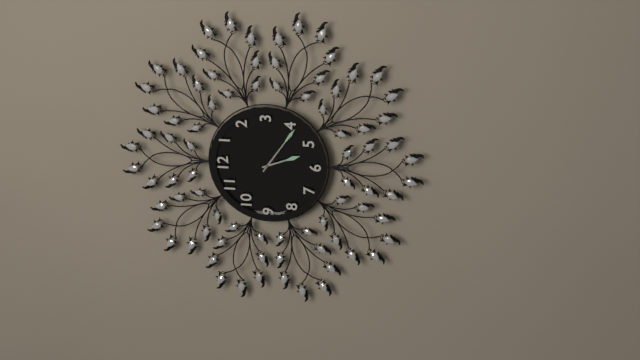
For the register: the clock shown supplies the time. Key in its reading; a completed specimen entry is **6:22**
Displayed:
**5:21**
